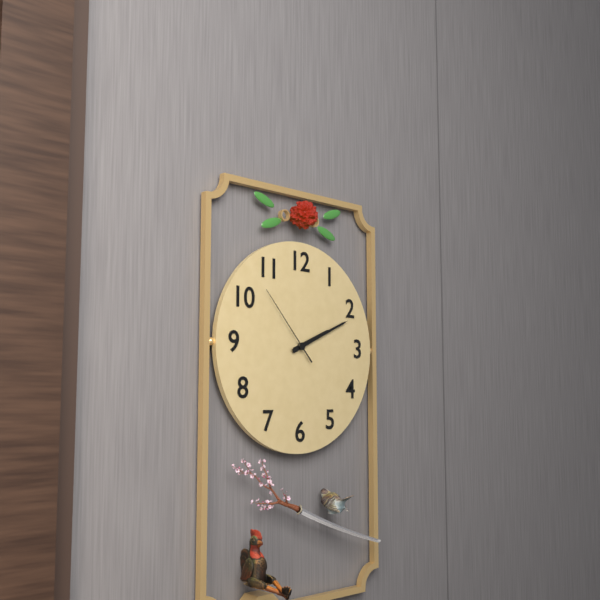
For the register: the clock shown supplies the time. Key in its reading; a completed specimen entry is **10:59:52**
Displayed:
**2:11:53**
